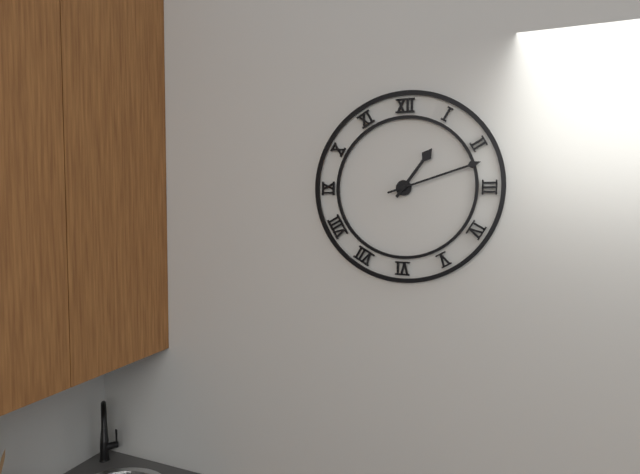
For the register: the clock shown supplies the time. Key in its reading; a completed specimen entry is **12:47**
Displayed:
**1:12**
